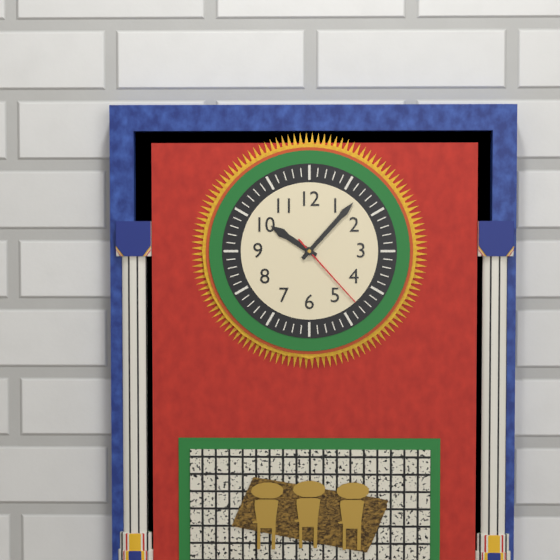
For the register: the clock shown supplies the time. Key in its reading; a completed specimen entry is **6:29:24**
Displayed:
**10:07:23**
